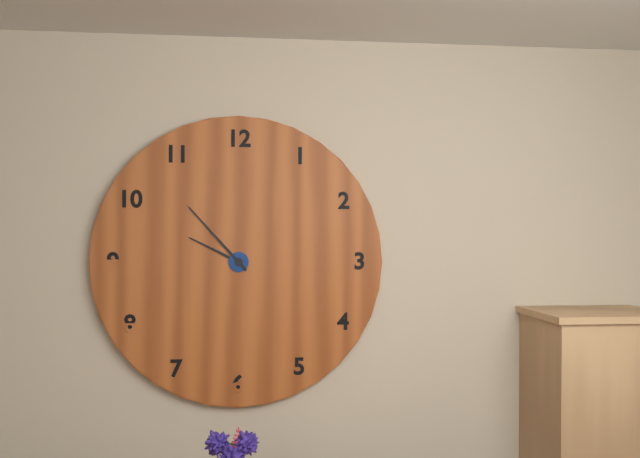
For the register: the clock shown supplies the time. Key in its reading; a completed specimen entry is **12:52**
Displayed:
**9:53**
